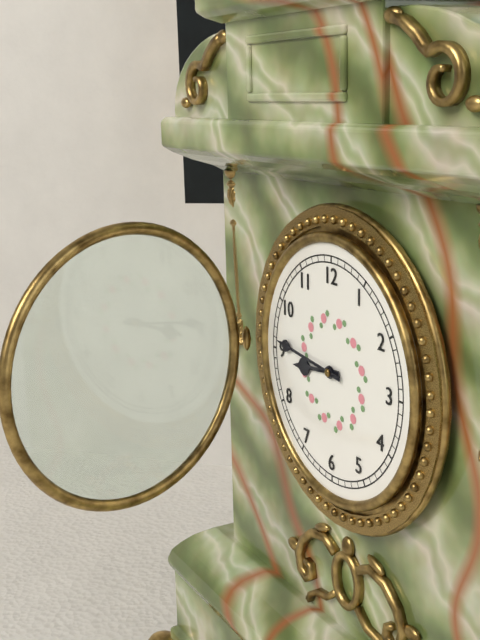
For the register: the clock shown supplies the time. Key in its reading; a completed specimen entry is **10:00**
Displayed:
**8:46**
